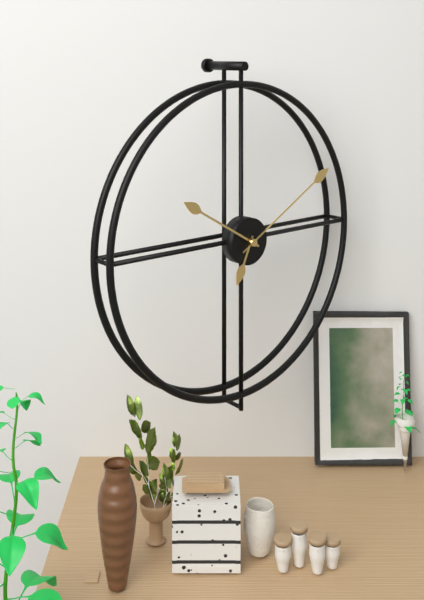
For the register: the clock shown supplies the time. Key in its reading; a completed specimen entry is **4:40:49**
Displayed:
**6:50:10**
